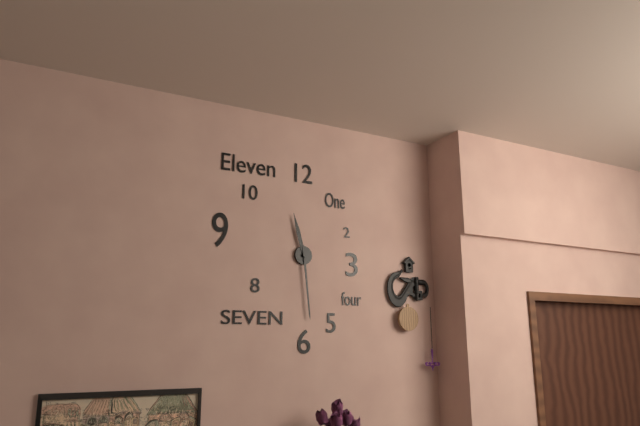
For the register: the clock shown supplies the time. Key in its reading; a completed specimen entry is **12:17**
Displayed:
**11:29**
